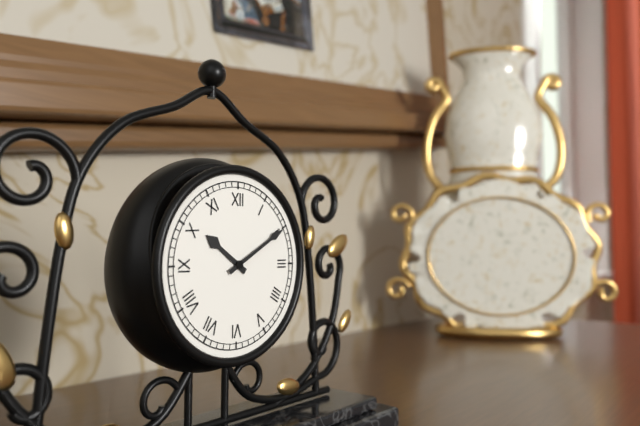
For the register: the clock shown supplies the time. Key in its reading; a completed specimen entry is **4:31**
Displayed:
**10:10**
